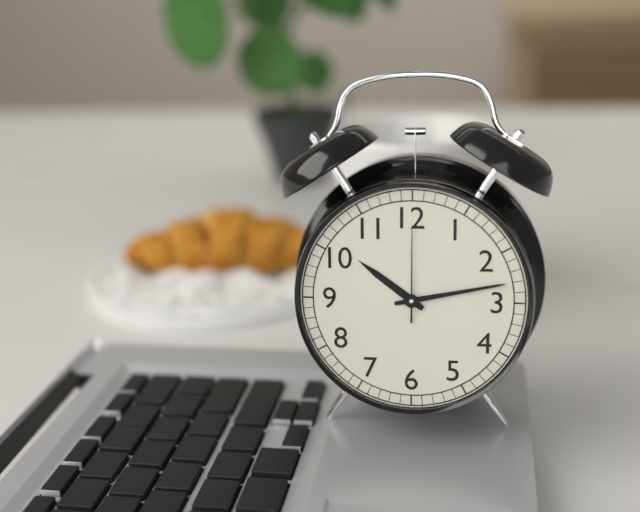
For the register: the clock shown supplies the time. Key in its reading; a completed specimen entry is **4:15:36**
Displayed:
**10:13:00**
